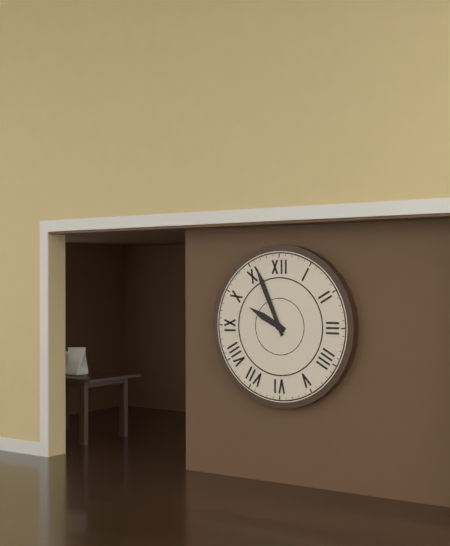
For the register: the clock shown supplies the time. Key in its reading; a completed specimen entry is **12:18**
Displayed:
**9:56**
